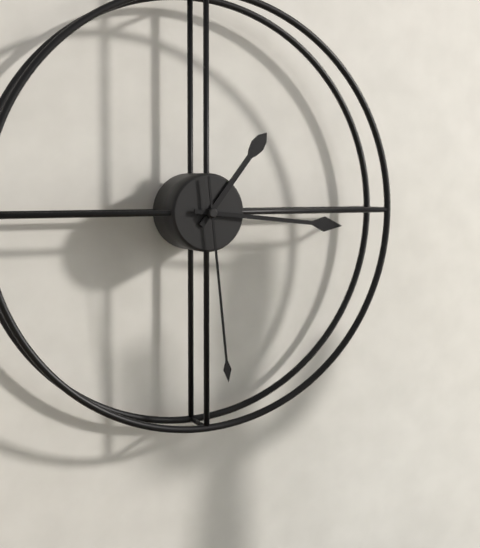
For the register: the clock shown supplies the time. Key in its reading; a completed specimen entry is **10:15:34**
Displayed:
**1:16:29**
